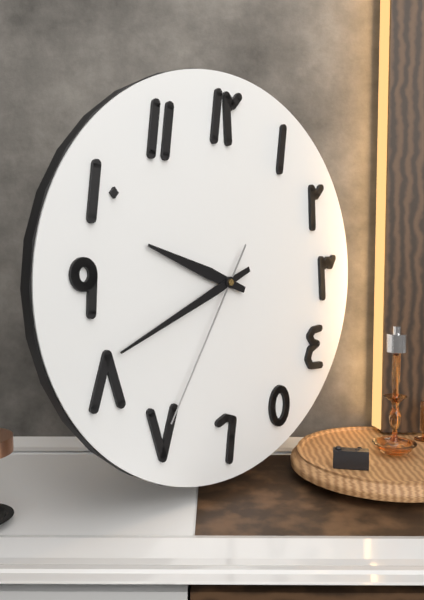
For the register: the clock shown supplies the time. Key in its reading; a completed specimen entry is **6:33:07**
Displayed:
**9:41:35**
